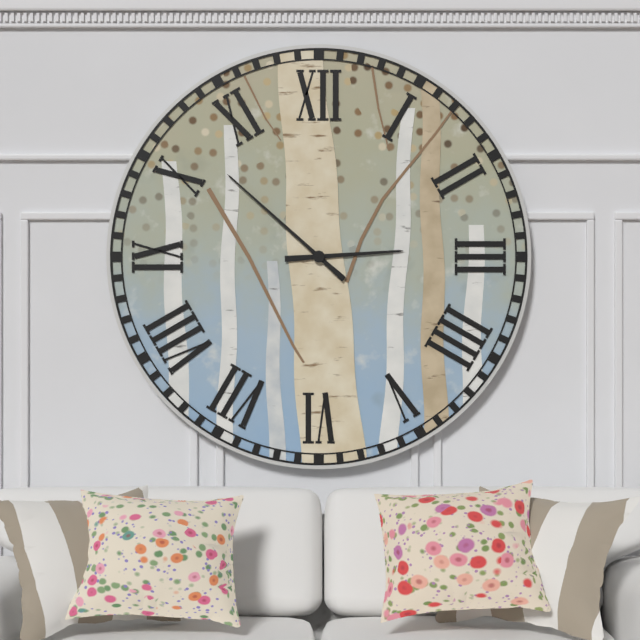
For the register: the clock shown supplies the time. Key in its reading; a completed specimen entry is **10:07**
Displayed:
**2:52**
